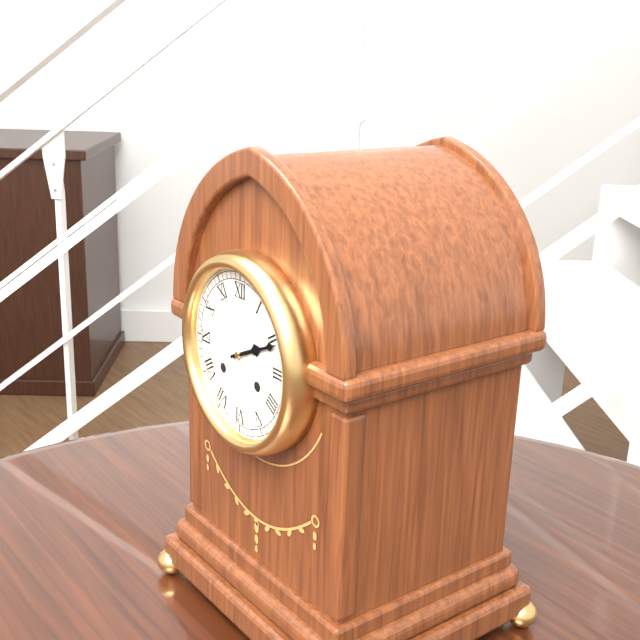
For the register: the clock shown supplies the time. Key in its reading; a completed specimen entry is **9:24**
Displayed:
**2:11**
